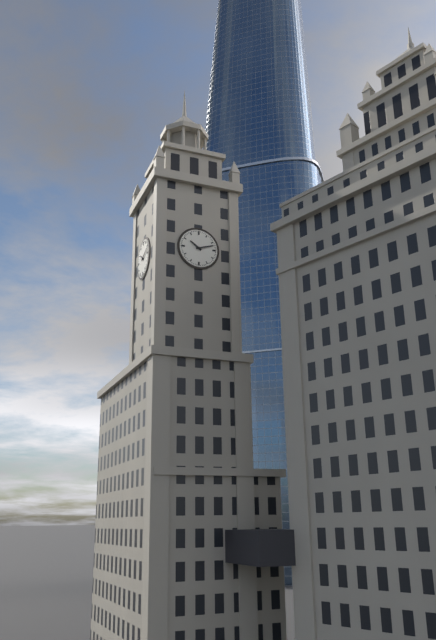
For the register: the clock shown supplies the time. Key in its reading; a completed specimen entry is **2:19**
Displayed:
**10:12**
